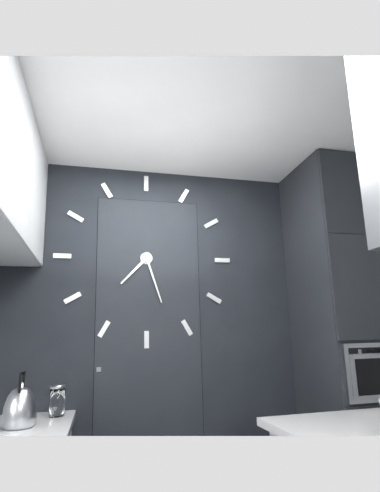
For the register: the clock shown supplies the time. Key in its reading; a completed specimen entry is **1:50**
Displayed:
**7:27**
